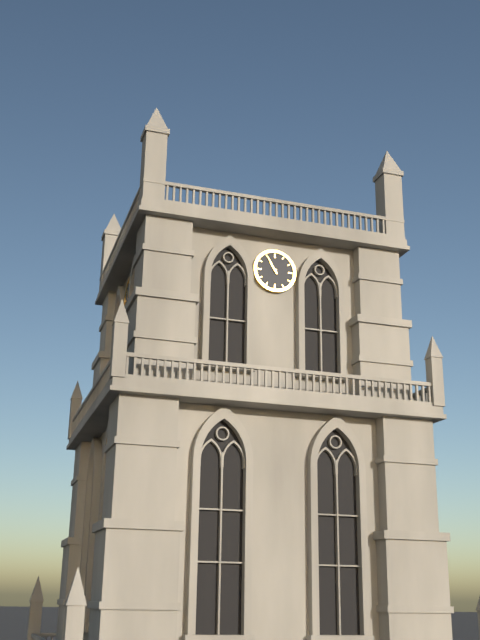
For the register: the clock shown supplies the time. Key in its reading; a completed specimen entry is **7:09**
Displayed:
**10:55**
